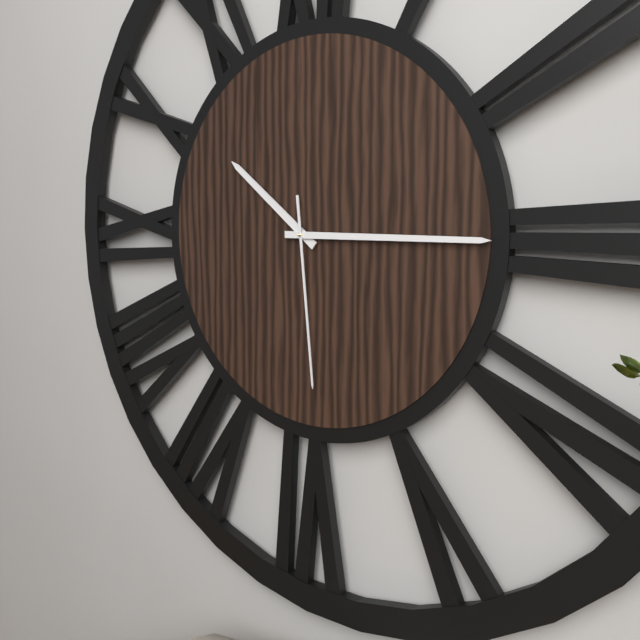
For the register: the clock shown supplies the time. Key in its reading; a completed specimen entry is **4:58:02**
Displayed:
**10:15:29**
